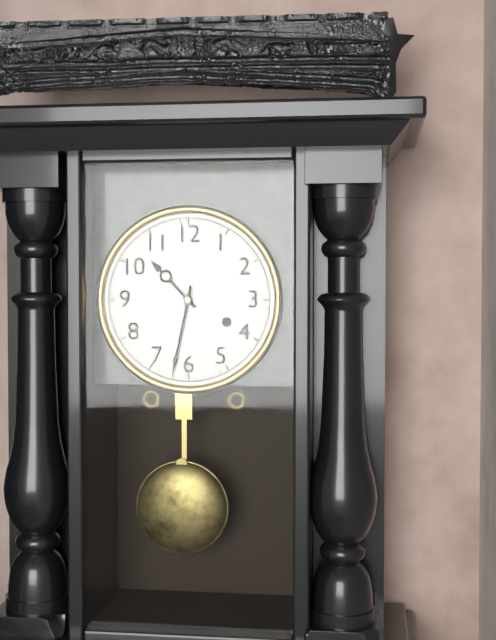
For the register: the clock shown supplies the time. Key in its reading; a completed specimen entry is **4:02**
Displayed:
**10:32**
